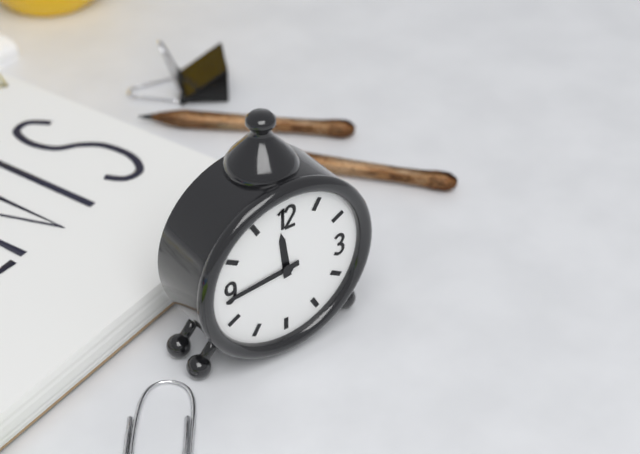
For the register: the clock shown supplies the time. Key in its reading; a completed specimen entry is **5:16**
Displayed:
**11:44**
